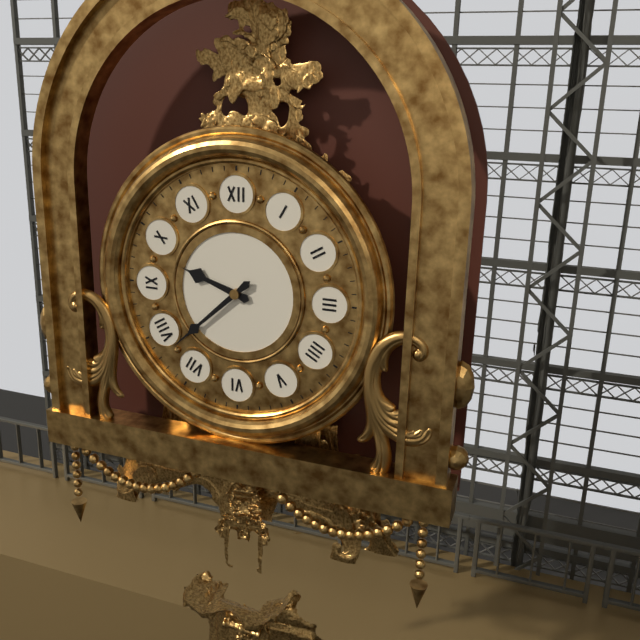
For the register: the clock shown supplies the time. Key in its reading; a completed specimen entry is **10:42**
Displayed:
**9:38**
